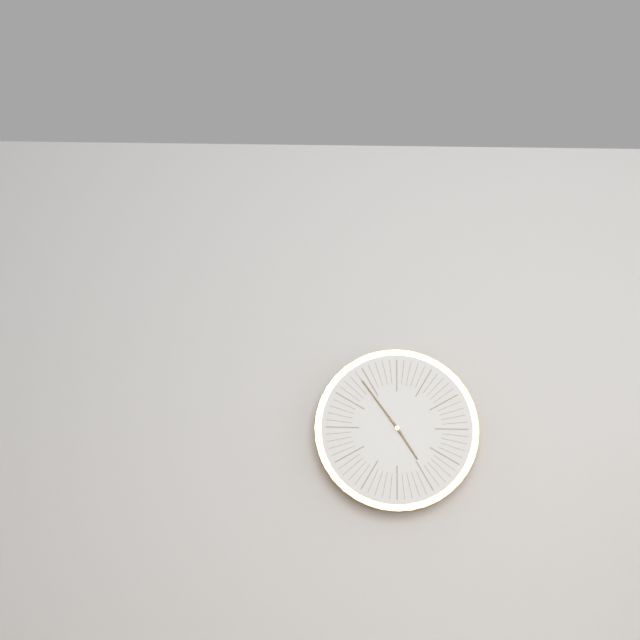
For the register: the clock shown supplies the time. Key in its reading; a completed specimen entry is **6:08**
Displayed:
**4:54**
